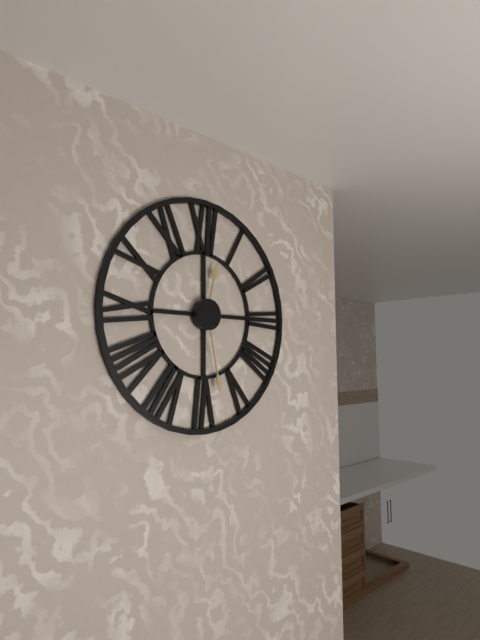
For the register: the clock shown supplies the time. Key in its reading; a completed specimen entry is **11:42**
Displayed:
**12:28**
